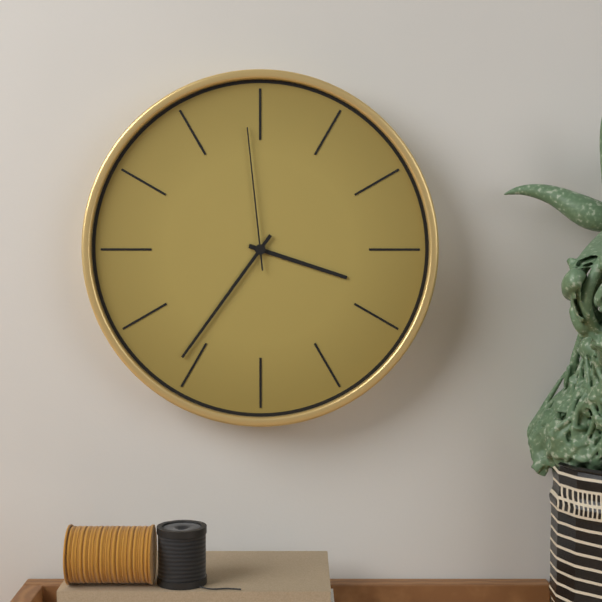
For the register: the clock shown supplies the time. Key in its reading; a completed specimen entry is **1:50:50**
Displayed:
**3:36:59**
